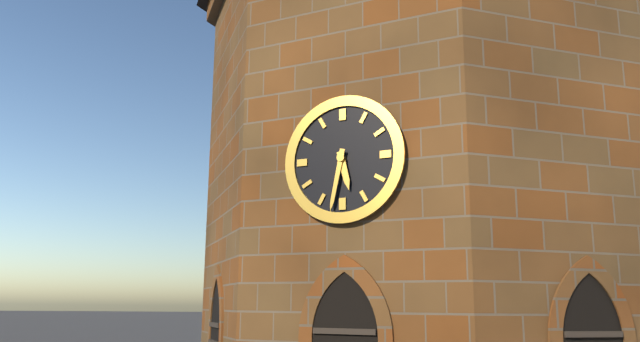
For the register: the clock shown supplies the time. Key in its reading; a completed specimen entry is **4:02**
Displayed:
**5:32**
